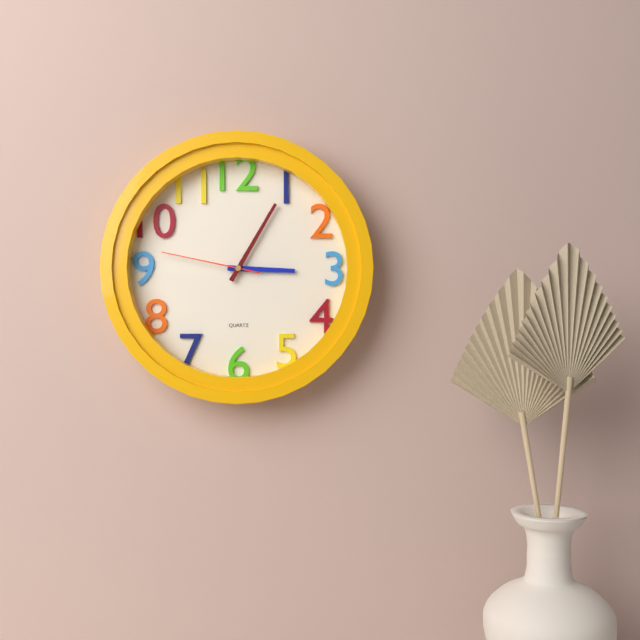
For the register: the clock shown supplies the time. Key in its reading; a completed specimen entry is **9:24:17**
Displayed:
**3:05:47**
